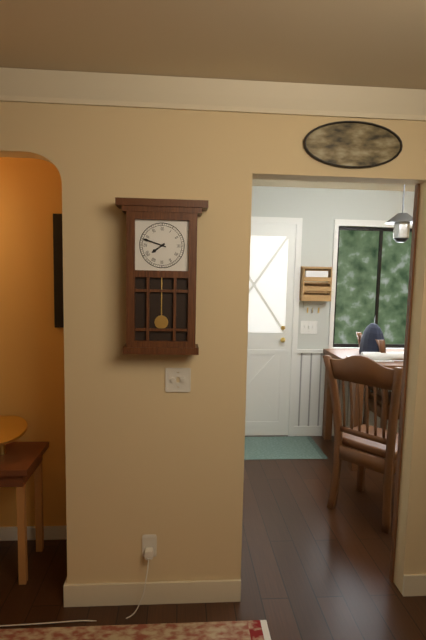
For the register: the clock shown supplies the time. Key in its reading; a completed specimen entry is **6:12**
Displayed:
**7:48**
